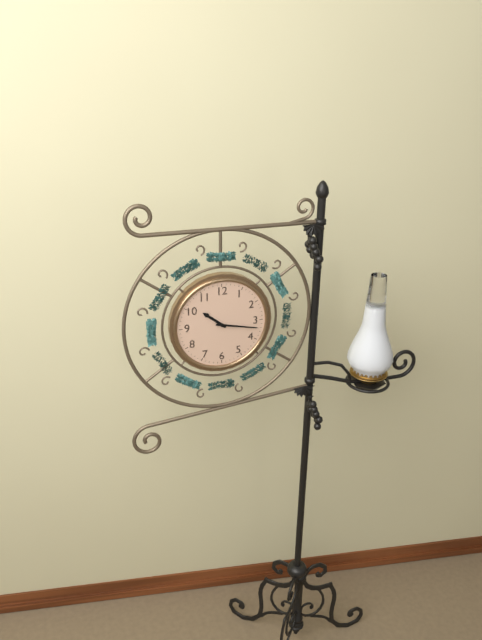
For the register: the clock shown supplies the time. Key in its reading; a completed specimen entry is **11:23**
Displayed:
**10:17**
